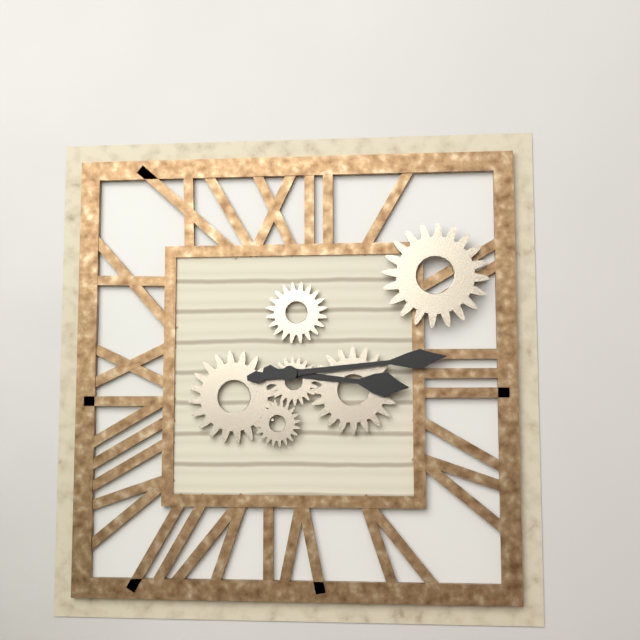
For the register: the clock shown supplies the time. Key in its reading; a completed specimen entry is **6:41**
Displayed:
**3:14**
